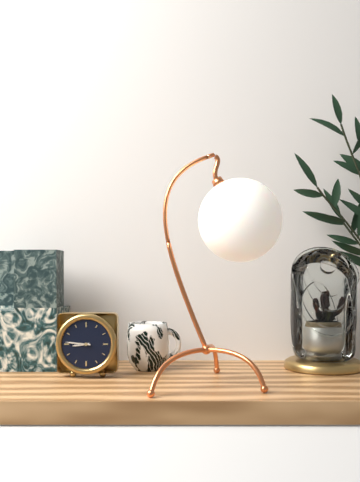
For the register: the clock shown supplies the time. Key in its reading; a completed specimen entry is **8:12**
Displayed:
**8:46**
